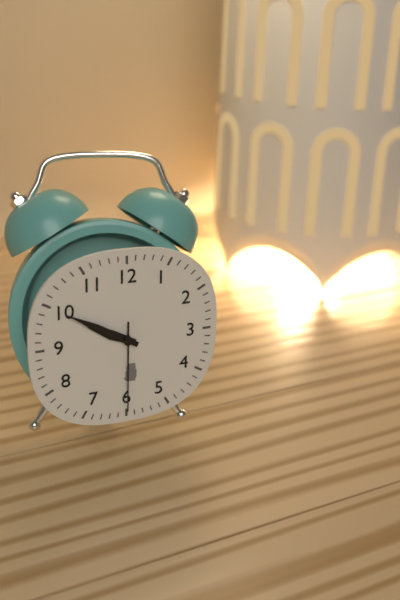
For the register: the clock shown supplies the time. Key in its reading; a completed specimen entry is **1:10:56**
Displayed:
**9:50:30**
